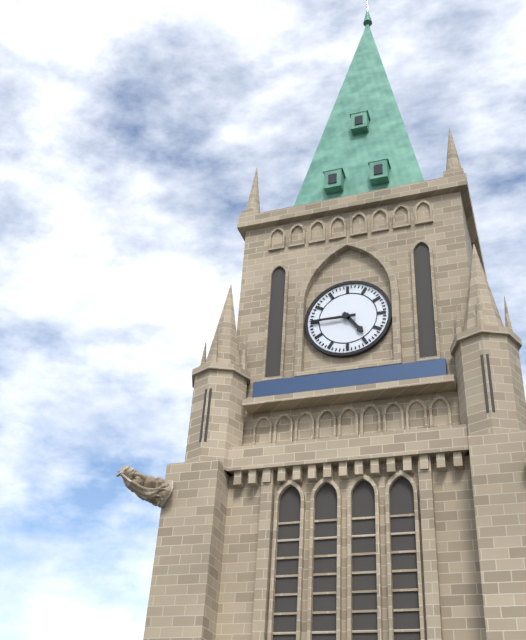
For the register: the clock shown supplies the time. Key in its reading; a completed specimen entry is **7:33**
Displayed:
**4:45**
